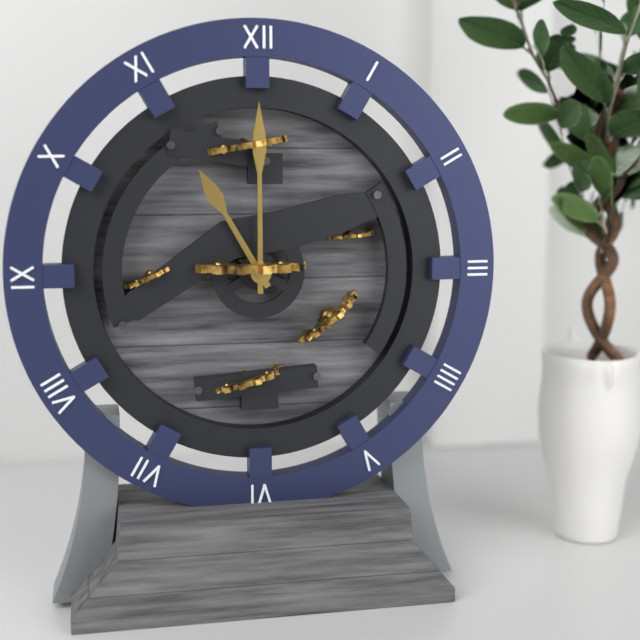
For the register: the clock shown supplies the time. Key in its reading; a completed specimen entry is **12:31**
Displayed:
**11:00**
